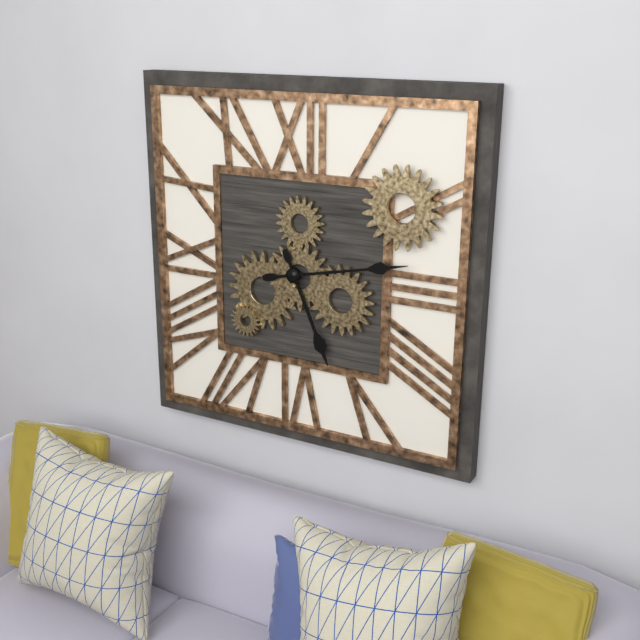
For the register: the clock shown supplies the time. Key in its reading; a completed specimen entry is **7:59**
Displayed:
**5:13**
